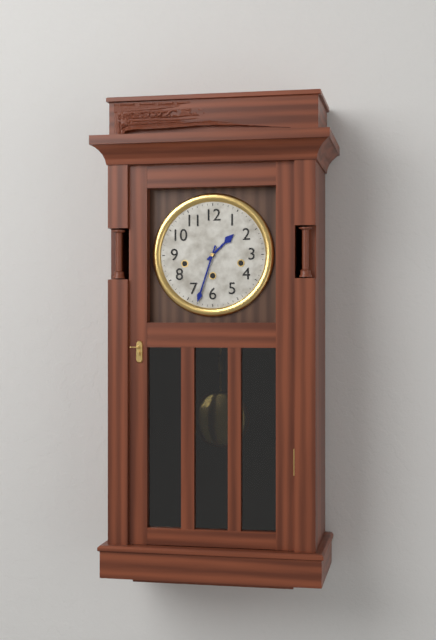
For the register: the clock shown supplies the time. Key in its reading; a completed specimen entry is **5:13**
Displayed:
**1:33**
